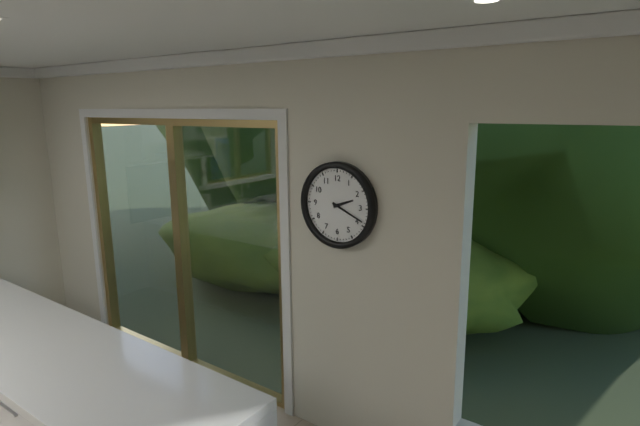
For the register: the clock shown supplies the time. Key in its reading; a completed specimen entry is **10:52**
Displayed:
**2:19**
